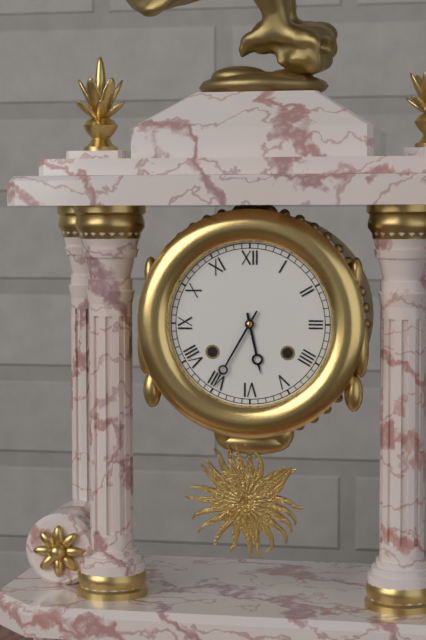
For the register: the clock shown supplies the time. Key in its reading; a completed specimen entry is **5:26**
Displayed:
**5:35**
